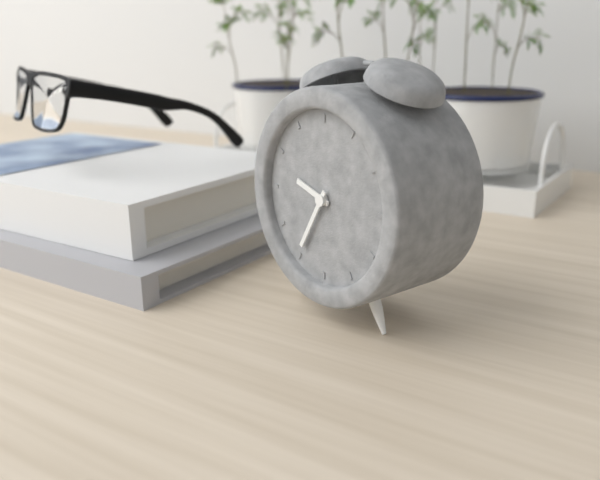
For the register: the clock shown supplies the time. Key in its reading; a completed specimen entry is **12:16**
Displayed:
**9:35**
